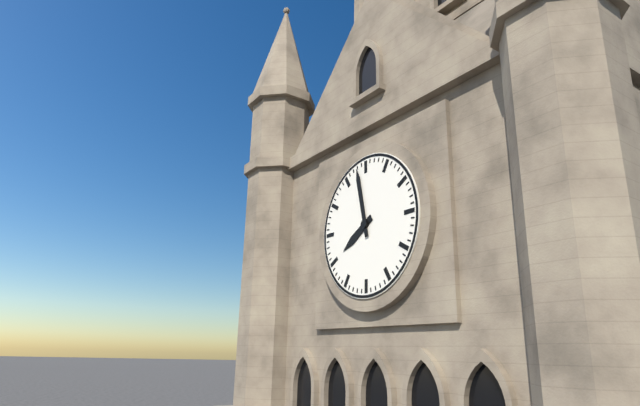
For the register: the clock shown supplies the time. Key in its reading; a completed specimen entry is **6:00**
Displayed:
**7:58**
